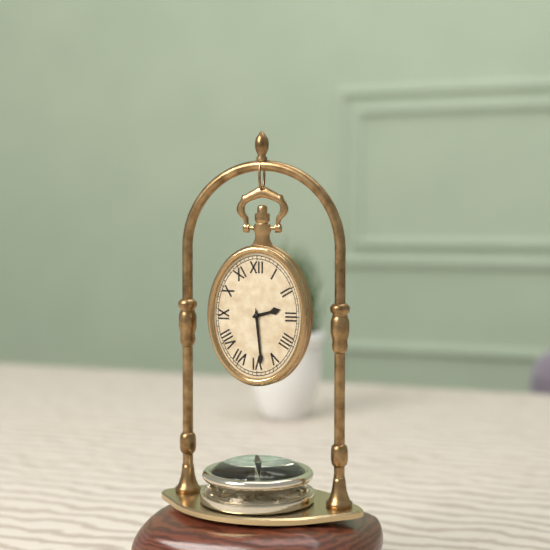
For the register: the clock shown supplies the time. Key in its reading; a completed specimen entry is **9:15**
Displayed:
**2:29**
